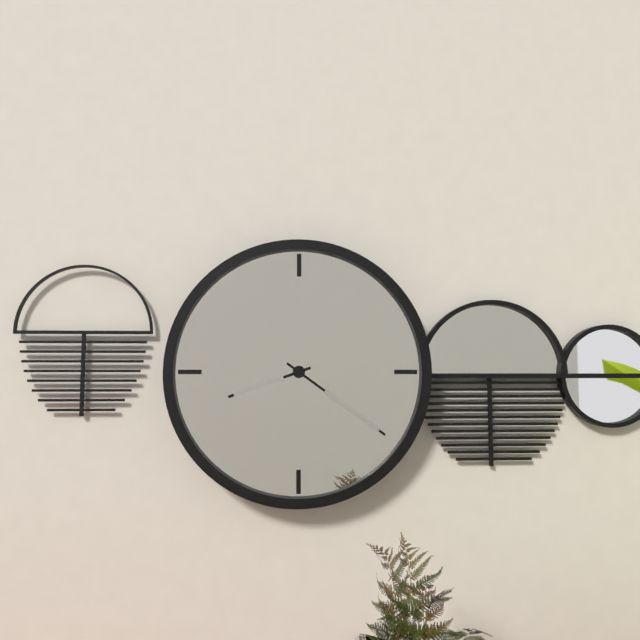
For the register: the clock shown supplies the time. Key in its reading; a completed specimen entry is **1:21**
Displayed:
**8:21**
